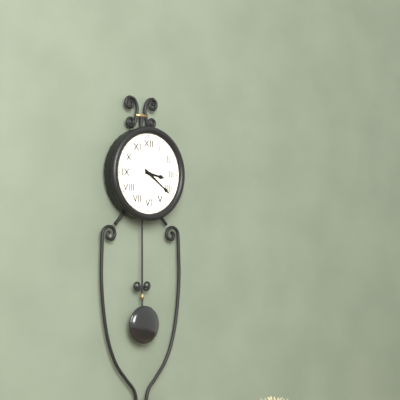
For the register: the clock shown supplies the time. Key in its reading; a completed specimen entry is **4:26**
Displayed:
**3:21**
